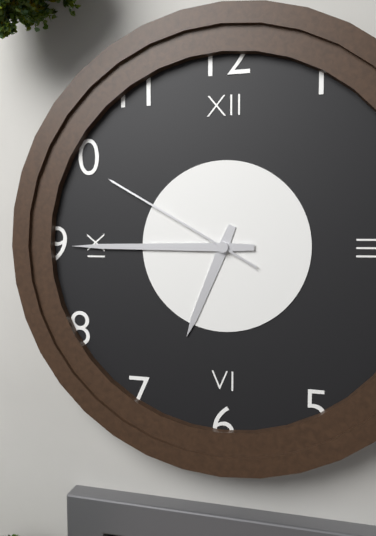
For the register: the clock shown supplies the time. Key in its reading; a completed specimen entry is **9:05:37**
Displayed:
**6:45:50**
